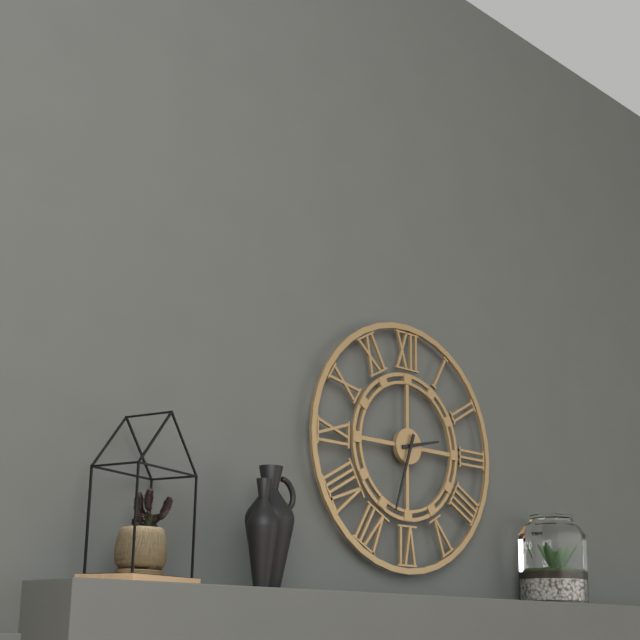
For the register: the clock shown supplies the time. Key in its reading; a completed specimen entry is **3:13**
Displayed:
**2:33**
